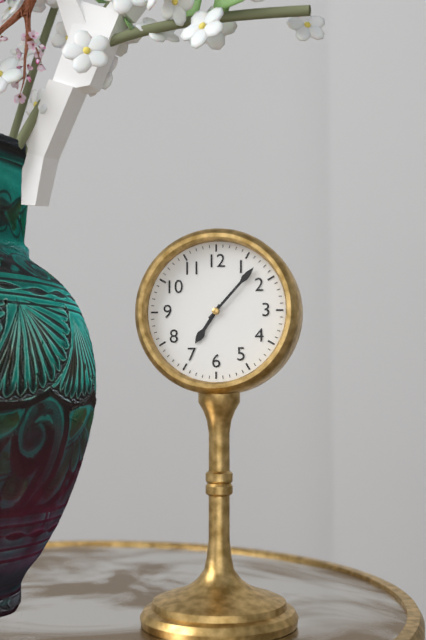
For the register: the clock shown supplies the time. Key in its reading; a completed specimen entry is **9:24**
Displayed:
**7:07**
